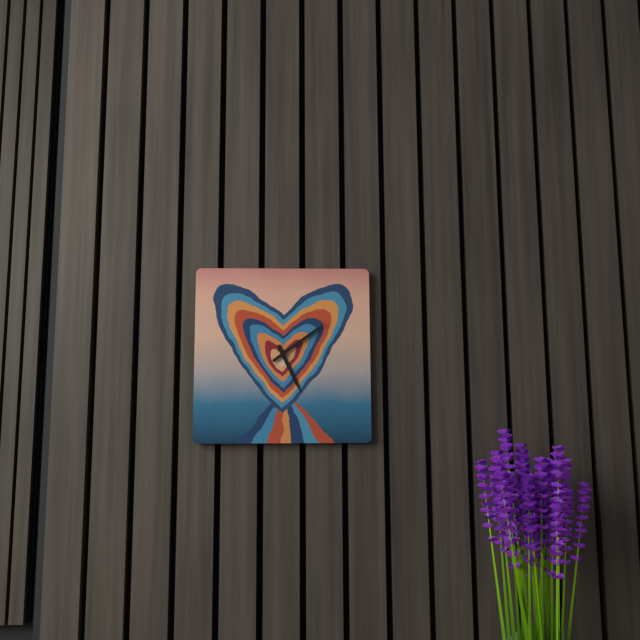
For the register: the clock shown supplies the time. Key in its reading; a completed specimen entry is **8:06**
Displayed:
**5:09**
